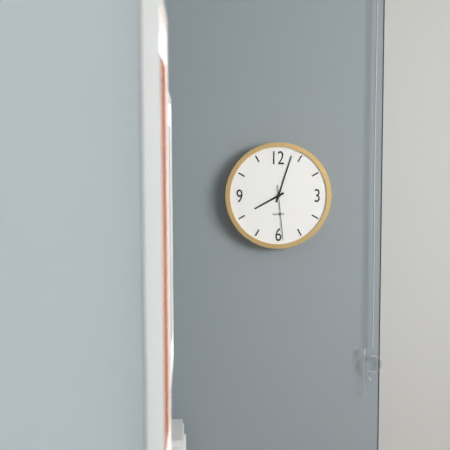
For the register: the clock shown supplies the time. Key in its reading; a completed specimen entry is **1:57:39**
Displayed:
**8:03:29**
